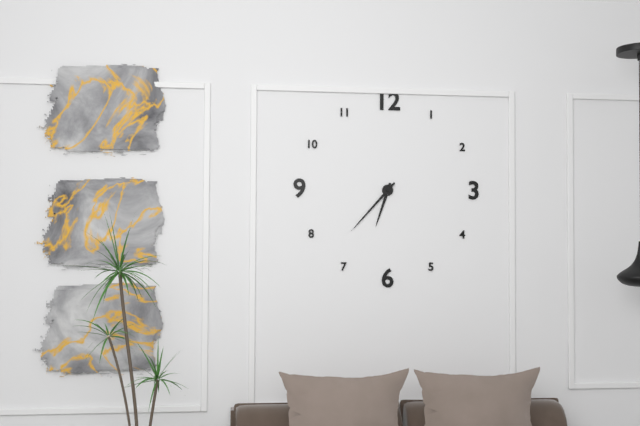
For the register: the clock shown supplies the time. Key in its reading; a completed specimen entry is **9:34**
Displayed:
**6:37**
